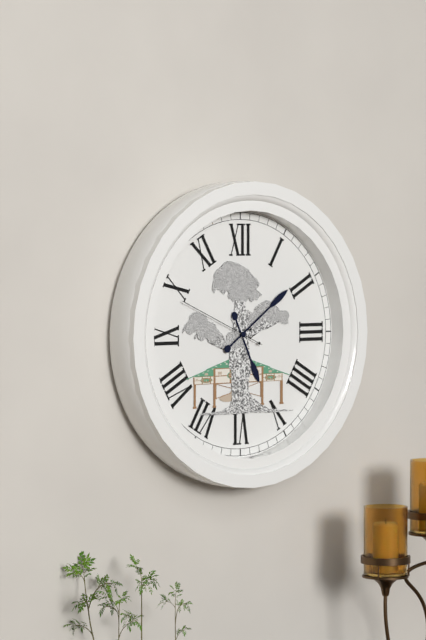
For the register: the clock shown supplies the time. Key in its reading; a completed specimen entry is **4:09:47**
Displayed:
**5:09:49**
